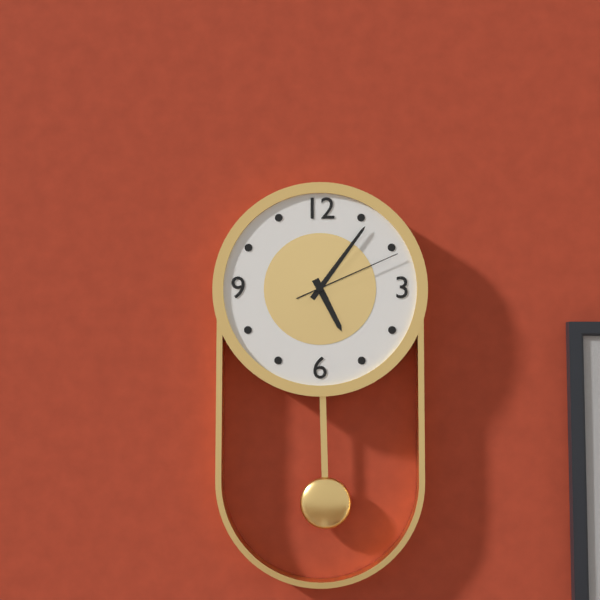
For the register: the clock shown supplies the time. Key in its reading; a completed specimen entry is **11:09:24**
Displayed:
**5:06:11**
